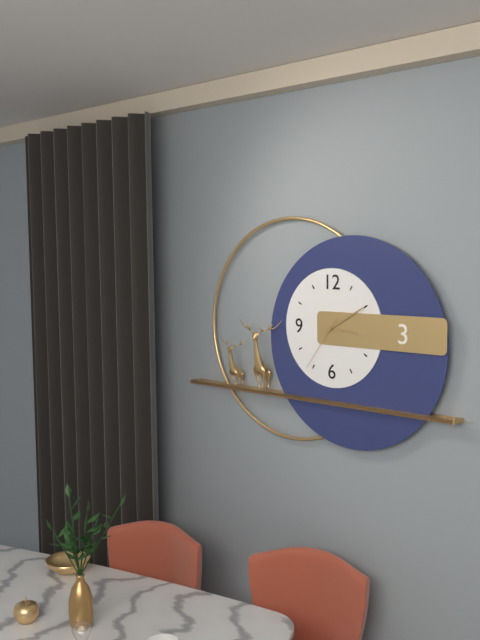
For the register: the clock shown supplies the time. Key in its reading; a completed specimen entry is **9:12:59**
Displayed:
**3:10:36**
